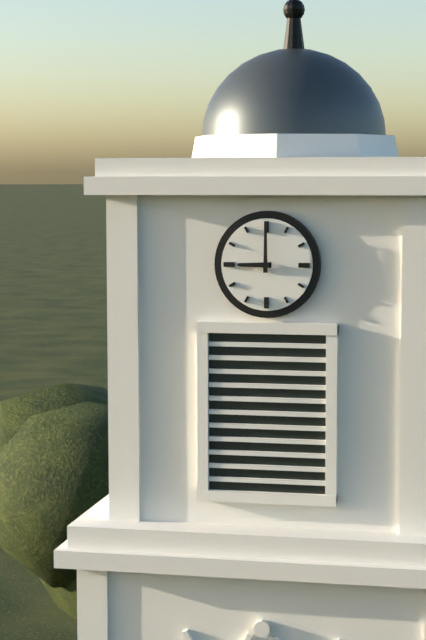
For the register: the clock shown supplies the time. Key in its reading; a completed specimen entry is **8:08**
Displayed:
**9:00**
